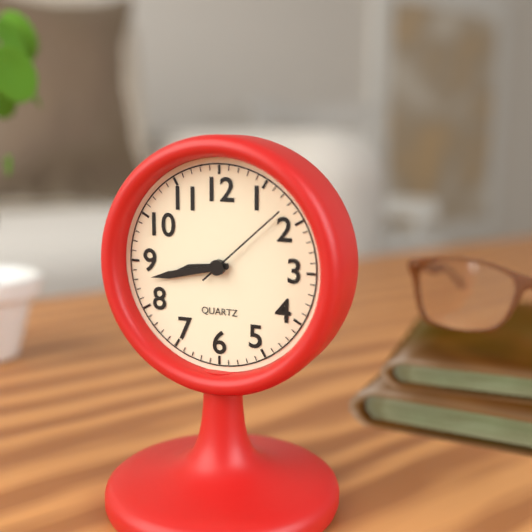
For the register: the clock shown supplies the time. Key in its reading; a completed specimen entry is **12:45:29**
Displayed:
**8:43:08**
